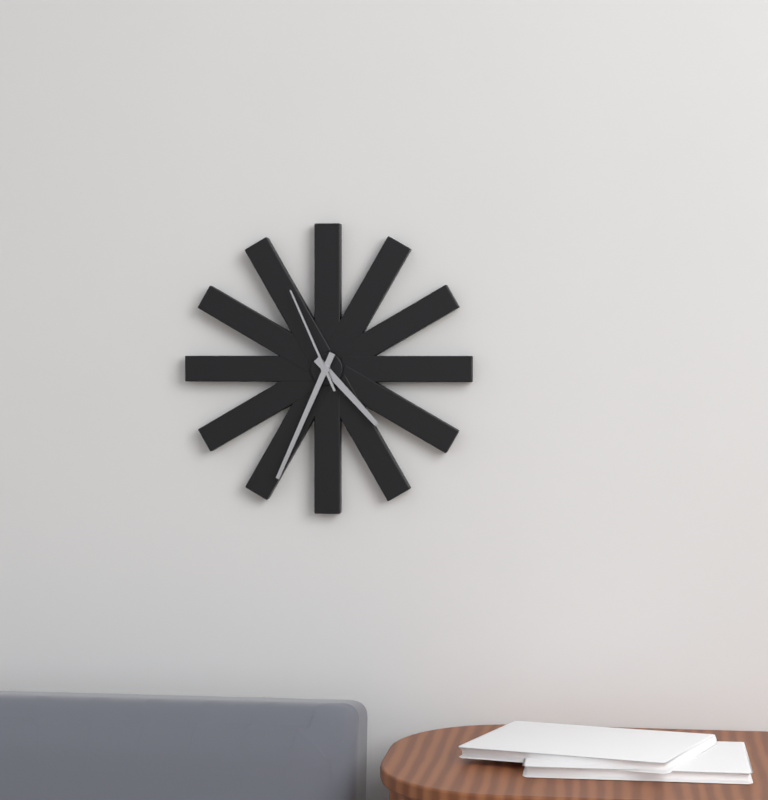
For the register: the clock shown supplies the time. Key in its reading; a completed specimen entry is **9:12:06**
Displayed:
**4:34:56**
